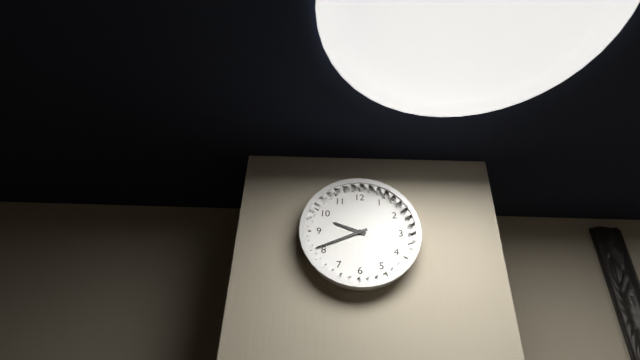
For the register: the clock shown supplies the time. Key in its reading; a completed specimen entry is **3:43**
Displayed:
**9:41**
